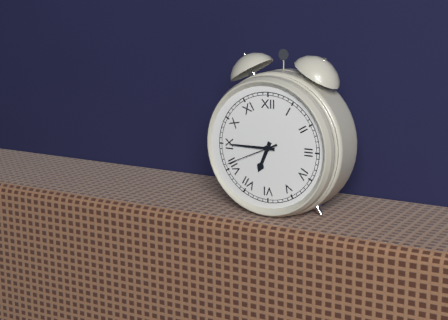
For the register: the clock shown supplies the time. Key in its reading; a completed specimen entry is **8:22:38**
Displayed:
**6:45:41**
